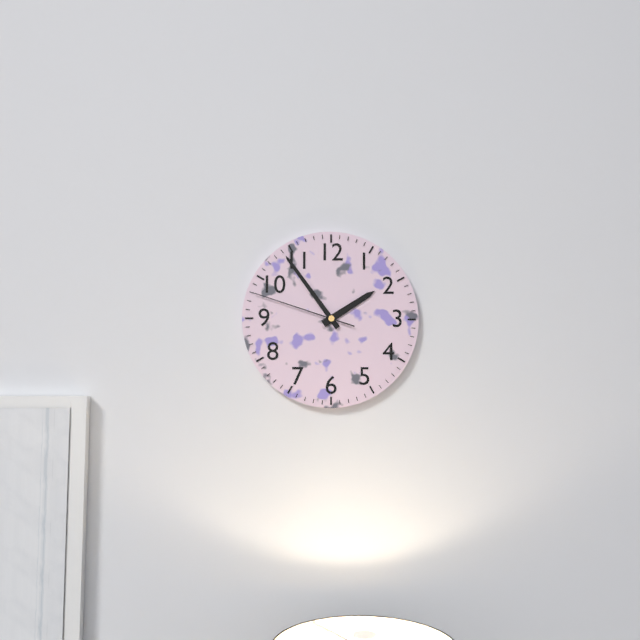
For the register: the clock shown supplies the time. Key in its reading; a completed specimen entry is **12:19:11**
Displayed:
**1:54:48**
